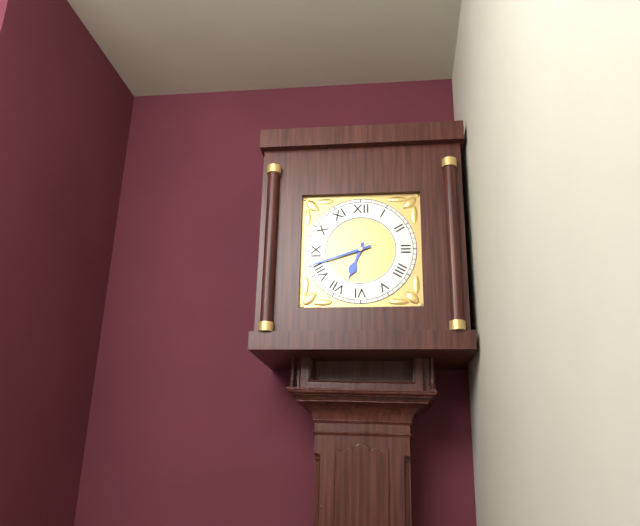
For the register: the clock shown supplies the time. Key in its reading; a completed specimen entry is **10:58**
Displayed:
**6:42**
